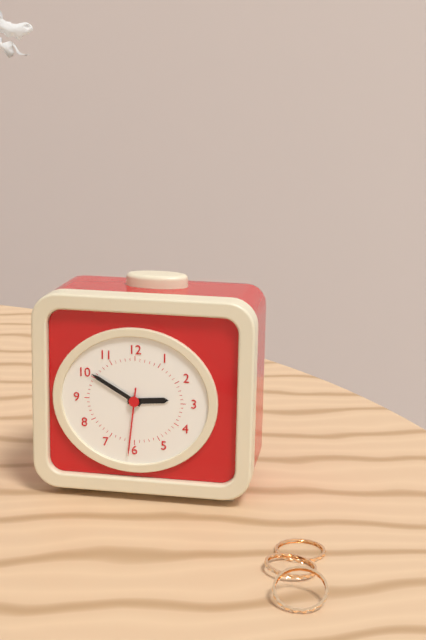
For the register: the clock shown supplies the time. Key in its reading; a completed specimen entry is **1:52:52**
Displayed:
**2:50:31**
